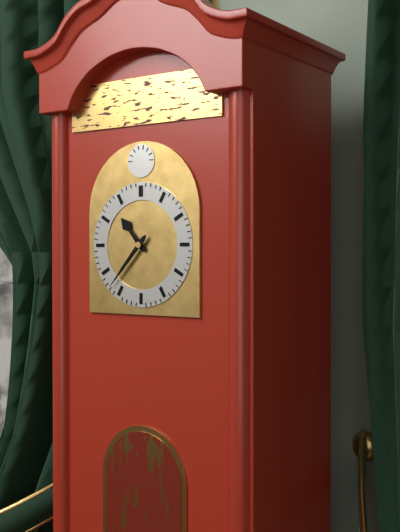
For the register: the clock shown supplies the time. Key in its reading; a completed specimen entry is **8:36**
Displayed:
**10:37**
